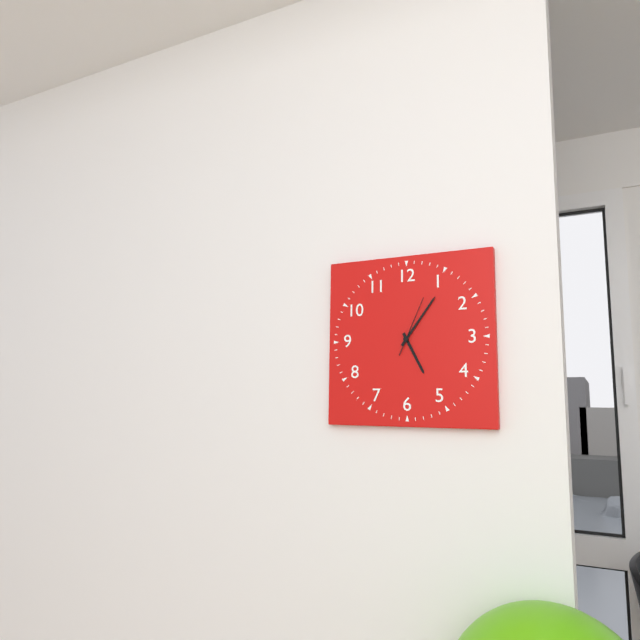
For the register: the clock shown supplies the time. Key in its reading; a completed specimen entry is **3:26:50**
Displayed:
**5:06:04**
